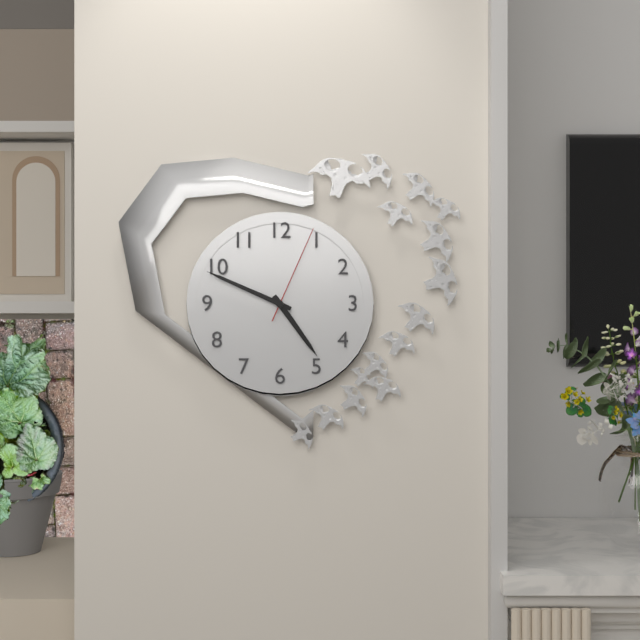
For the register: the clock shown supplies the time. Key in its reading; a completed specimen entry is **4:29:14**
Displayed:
**4:49:04**
